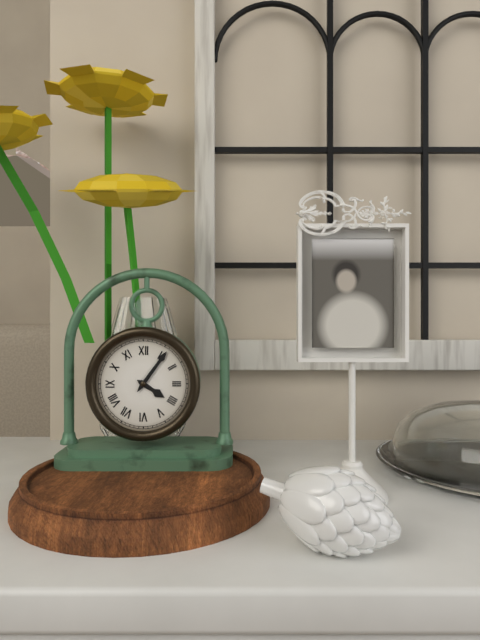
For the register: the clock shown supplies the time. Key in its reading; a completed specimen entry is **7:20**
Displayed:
**4:06**
